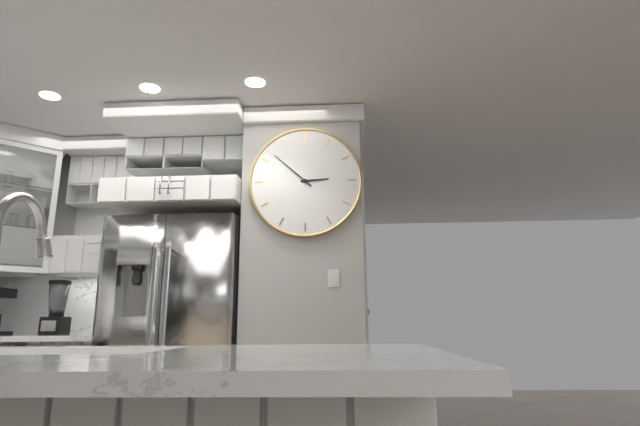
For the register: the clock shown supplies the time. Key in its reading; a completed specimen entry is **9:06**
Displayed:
**2:52**
